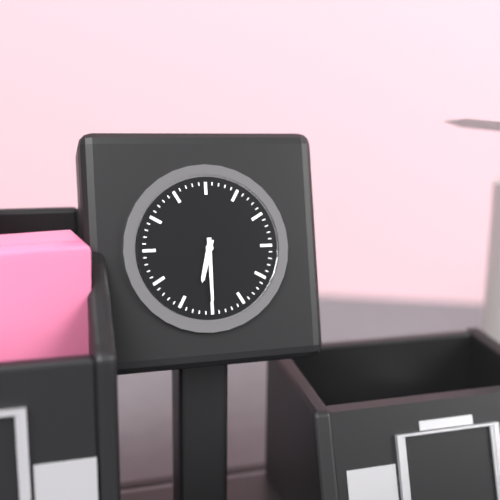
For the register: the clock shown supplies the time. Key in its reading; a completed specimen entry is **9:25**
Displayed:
**6:30**
